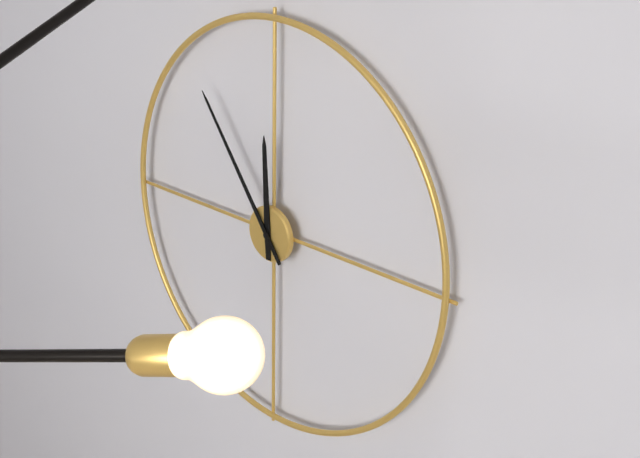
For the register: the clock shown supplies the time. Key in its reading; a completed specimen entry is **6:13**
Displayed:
**11:54**
